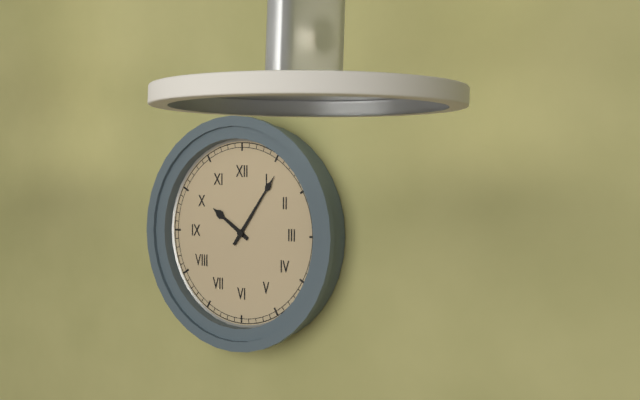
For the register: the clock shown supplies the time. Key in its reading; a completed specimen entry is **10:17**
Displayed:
**10:06**
